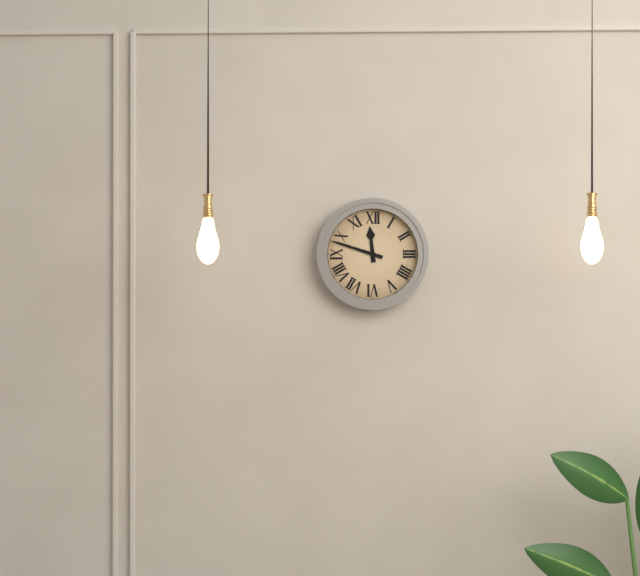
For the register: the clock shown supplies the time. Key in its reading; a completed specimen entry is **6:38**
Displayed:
**11:48**
